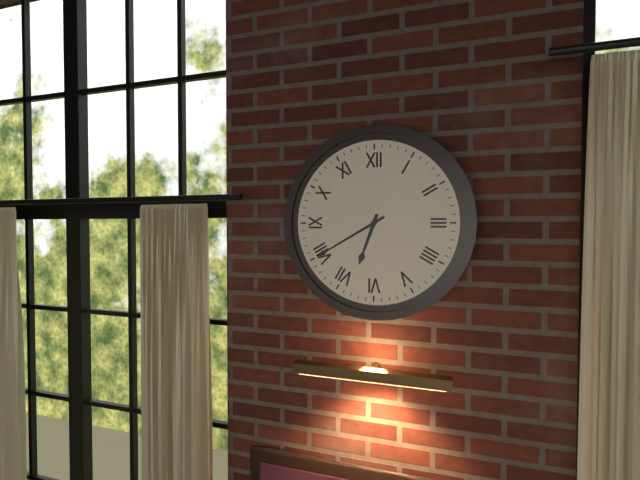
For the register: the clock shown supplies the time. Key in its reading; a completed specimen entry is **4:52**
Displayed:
**6:40**
